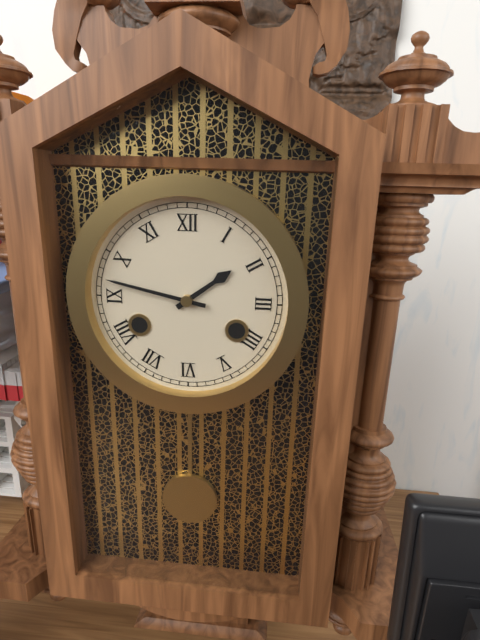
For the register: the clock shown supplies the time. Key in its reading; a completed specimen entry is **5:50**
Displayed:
**1:47**
